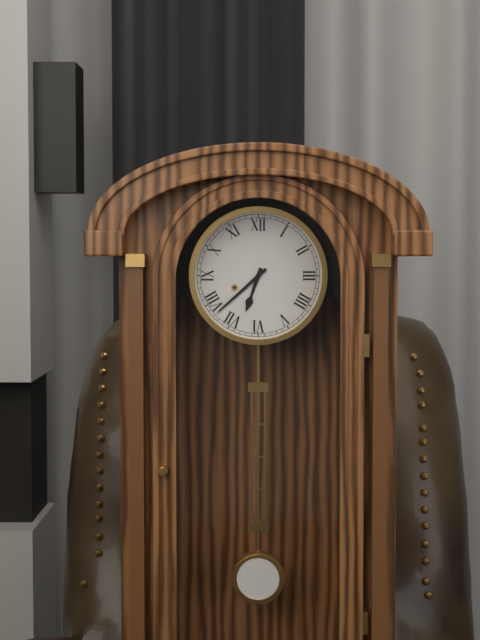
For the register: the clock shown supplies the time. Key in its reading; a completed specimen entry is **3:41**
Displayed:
**6:38**
